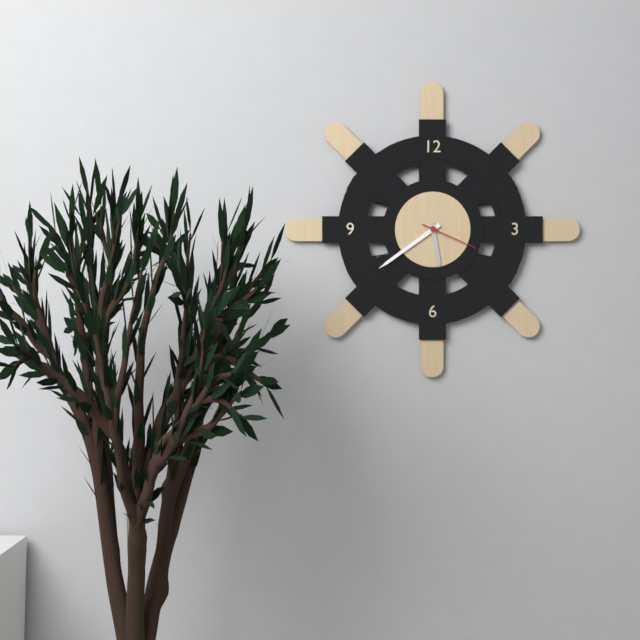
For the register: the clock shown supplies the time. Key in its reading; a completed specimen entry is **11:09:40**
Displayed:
**5:39:19**
